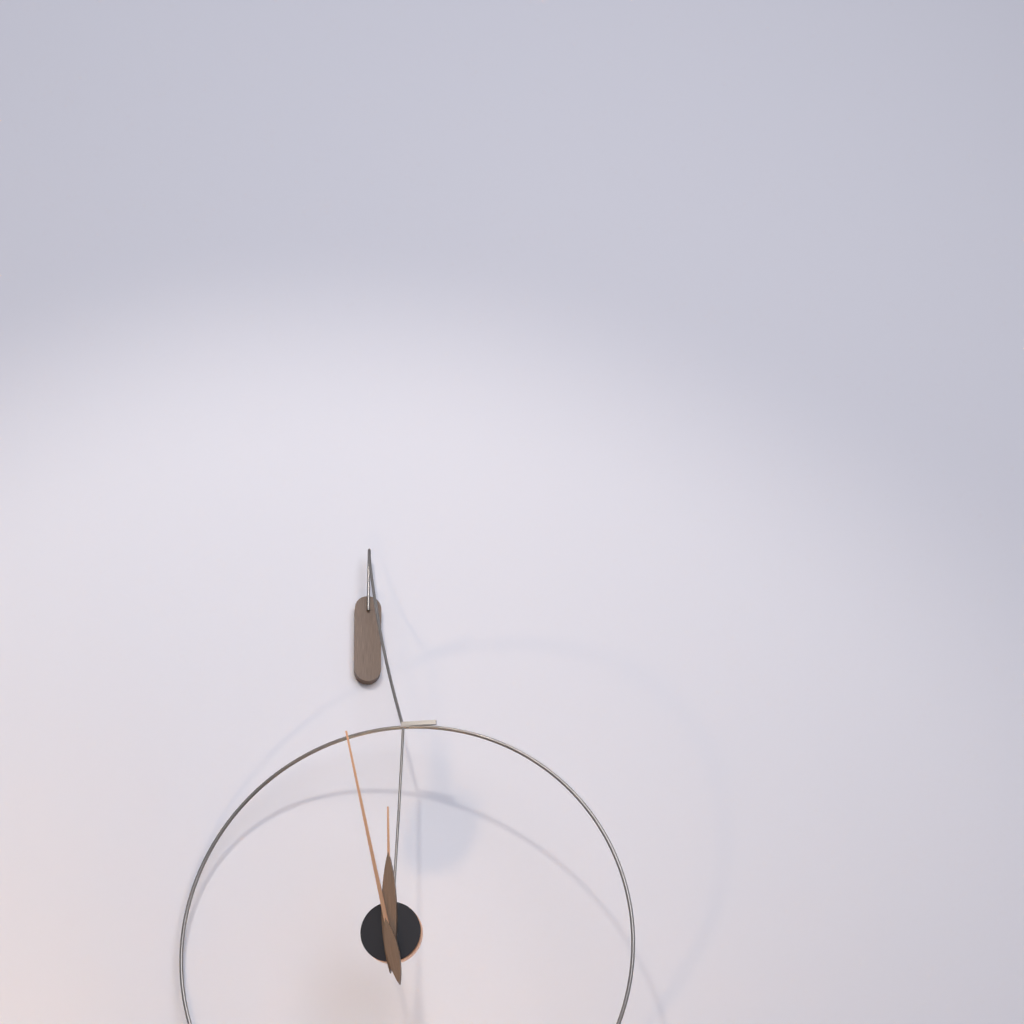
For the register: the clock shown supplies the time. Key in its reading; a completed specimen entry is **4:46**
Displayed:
**11:58**
